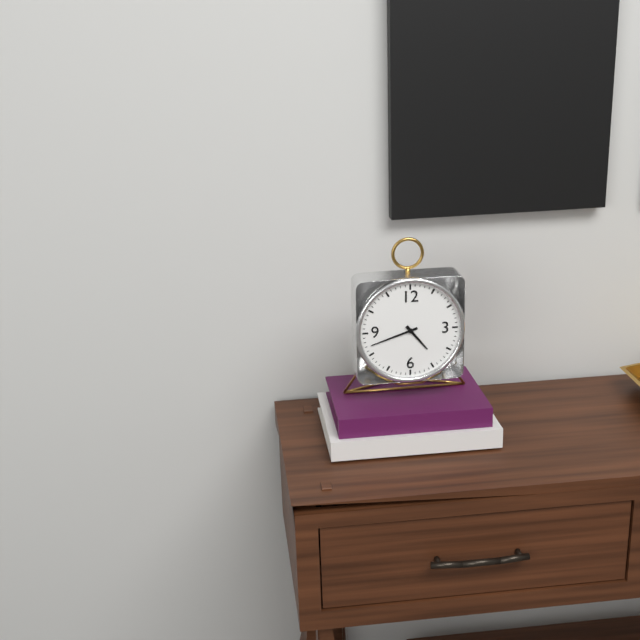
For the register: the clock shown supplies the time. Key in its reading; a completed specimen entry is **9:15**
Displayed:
**4:42**
